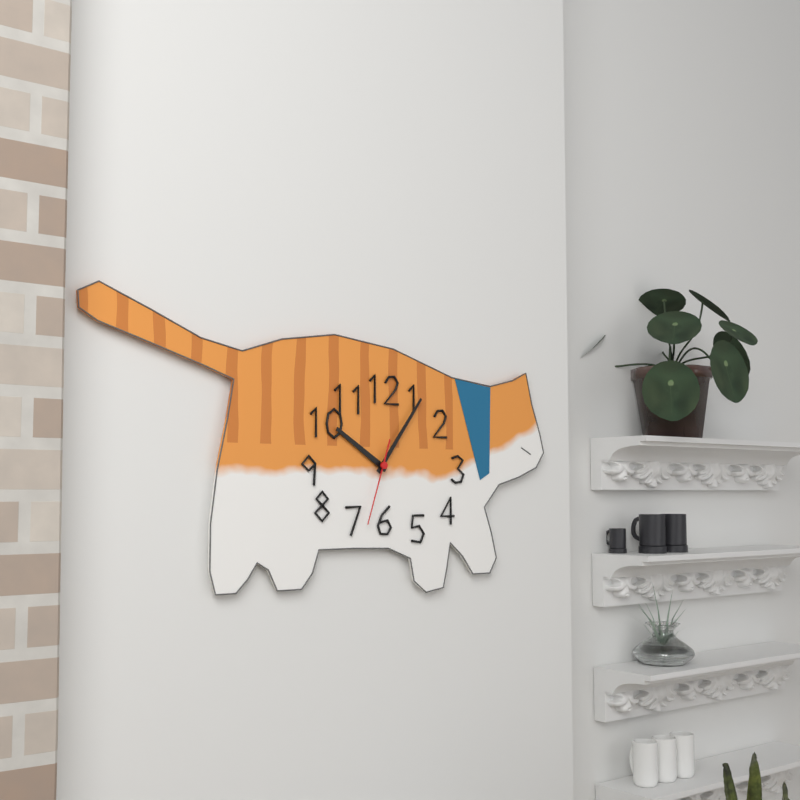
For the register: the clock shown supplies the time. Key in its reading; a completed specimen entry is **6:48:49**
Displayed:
**10:06:33**
